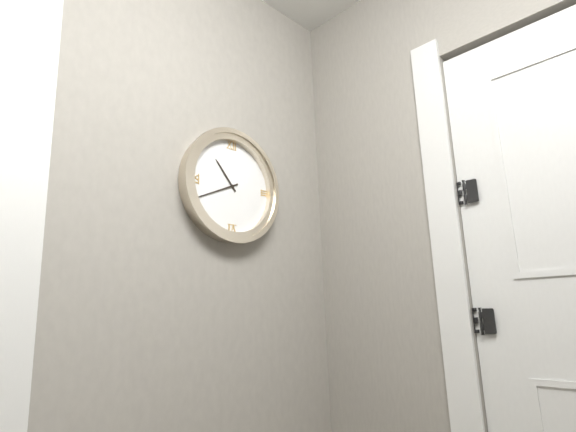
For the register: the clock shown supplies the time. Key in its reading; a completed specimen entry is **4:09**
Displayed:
**10:41**
